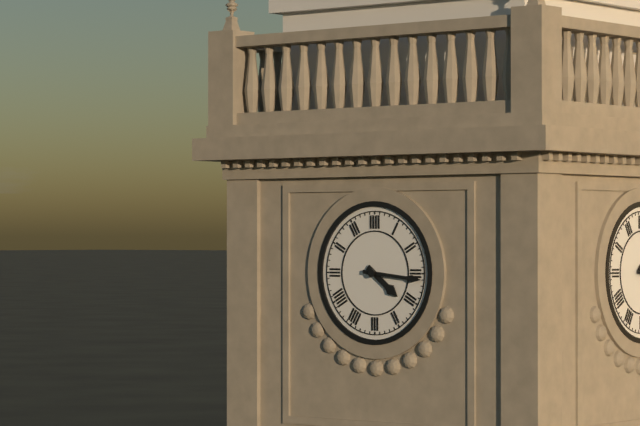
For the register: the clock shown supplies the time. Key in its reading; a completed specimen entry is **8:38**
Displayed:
**4:16**
